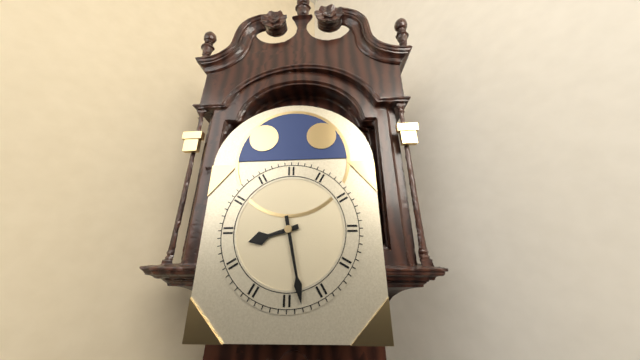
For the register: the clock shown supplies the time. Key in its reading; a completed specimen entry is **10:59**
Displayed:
**8:28**
